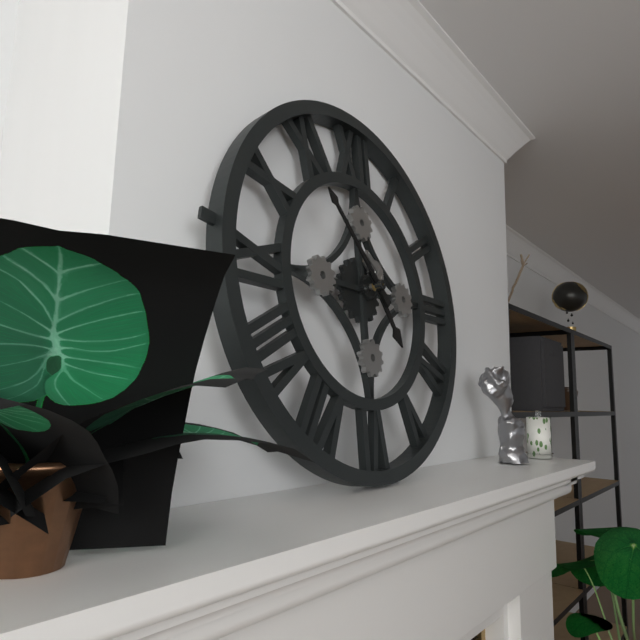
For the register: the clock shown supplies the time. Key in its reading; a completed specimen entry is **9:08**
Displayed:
**4:53**
